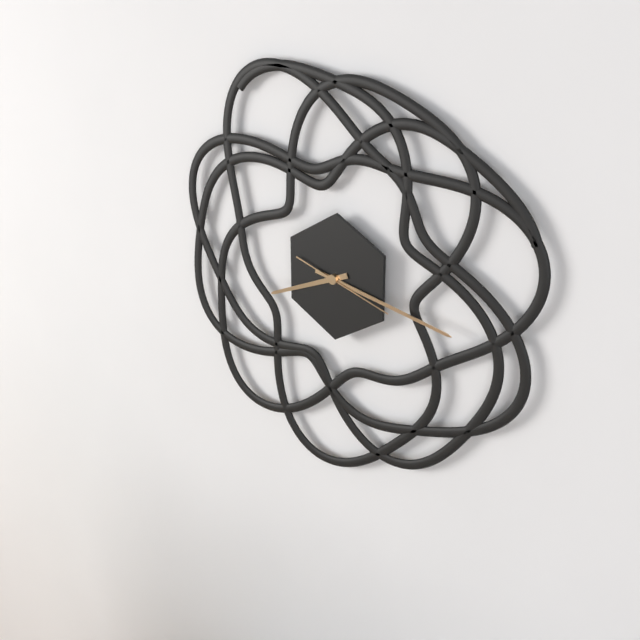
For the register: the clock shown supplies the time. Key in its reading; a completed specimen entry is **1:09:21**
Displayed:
**8:17:18**
